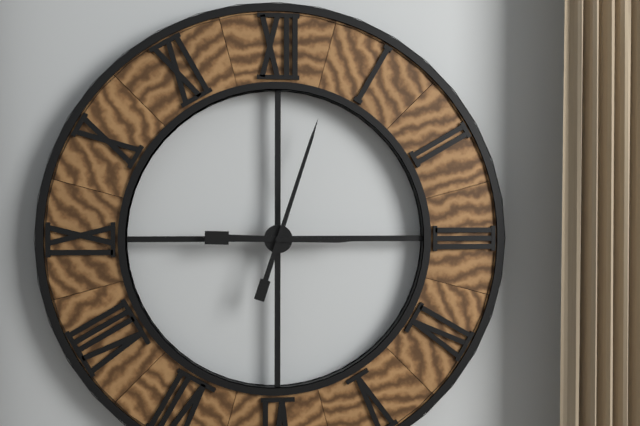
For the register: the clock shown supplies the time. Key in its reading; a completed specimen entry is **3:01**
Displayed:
**3:03**
